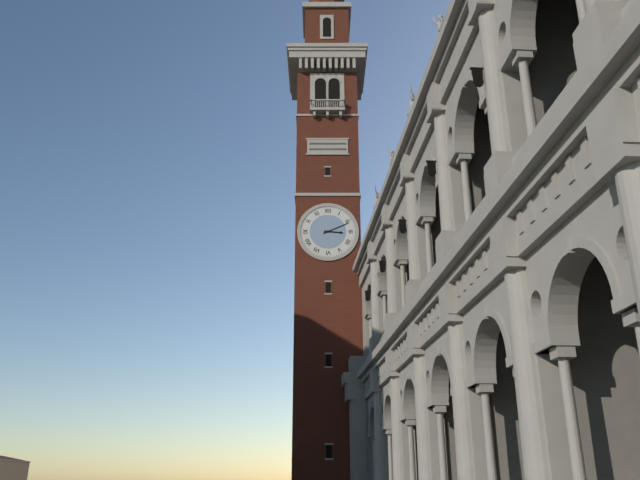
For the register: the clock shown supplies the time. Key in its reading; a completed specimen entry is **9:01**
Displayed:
**3:11**
